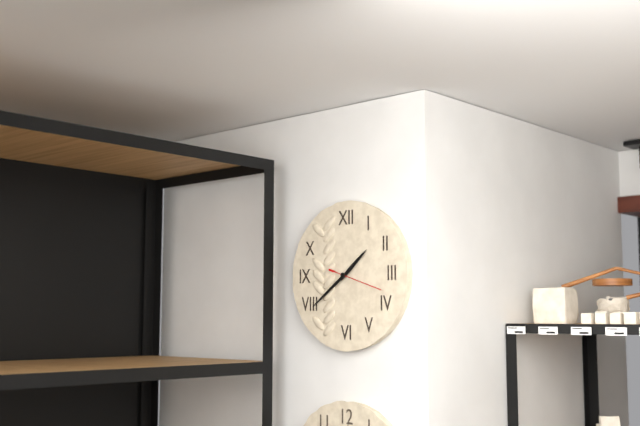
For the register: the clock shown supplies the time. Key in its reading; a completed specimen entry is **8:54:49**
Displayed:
**1:39:18**
